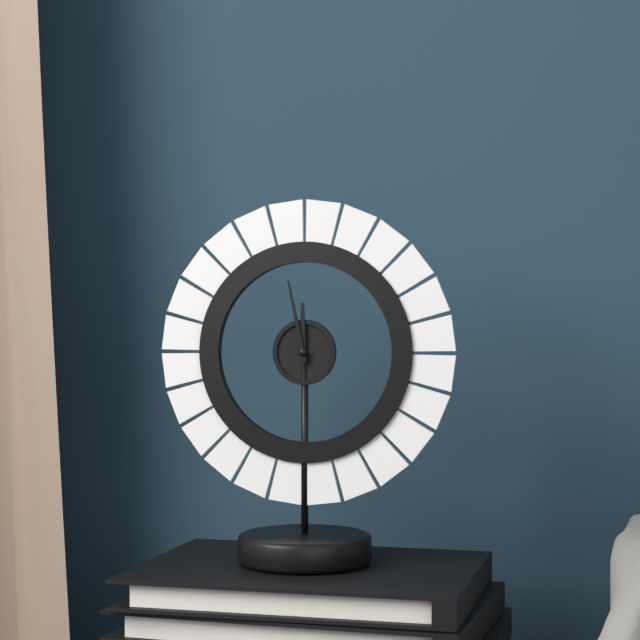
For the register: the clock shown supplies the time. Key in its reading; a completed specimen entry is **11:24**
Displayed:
**11:58**
